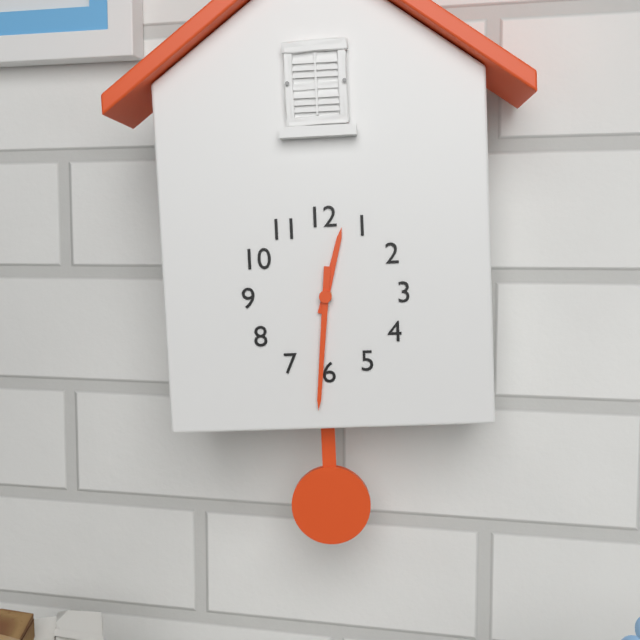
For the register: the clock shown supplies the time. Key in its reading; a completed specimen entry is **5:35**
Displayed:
**12:31**
